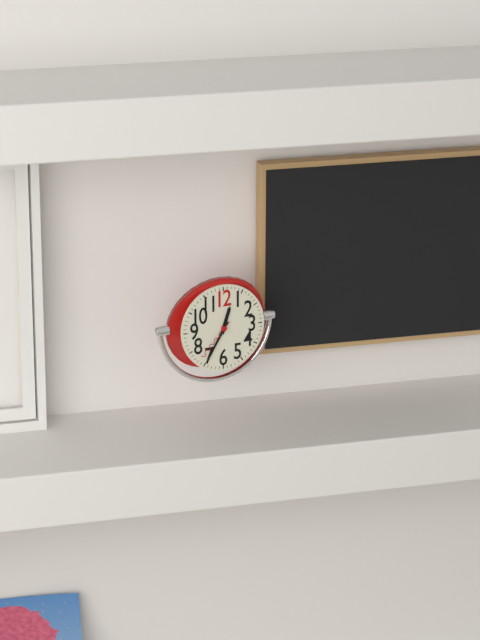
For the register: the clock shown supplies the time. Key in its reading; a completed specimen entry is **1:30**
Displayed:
**12:35**
